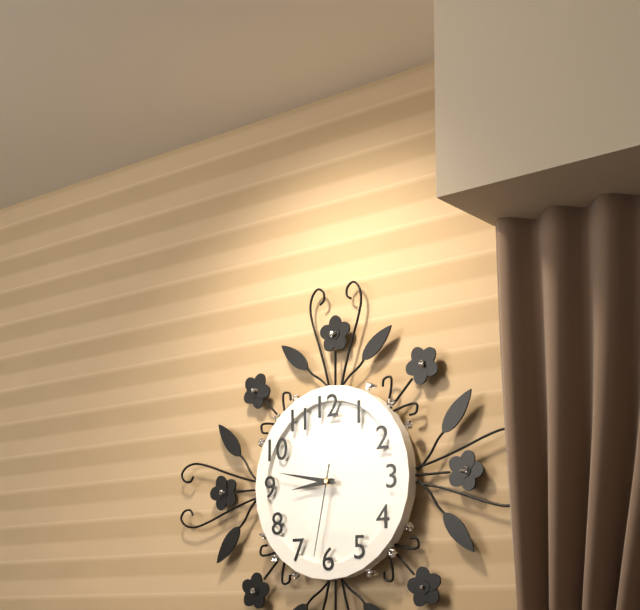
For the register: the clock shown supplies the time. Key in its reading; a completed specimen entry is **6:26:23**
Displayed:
**8:47:32**
